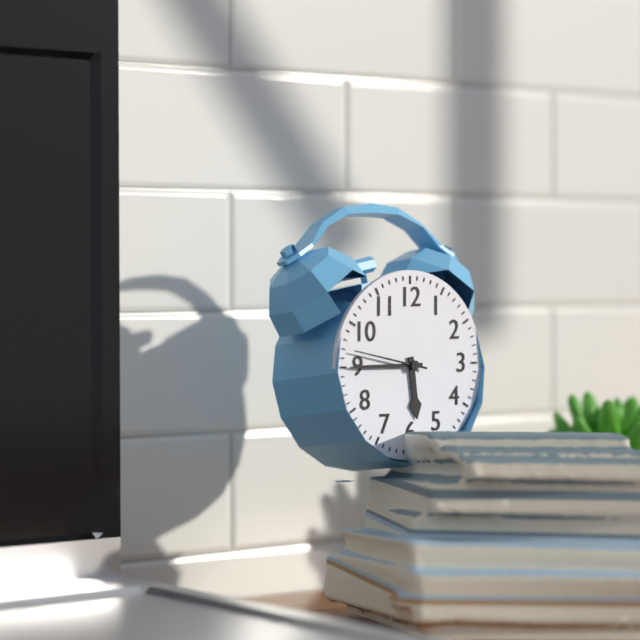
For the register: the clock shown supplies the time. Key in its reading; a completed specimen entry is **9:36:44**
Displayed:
**5:45:47**
